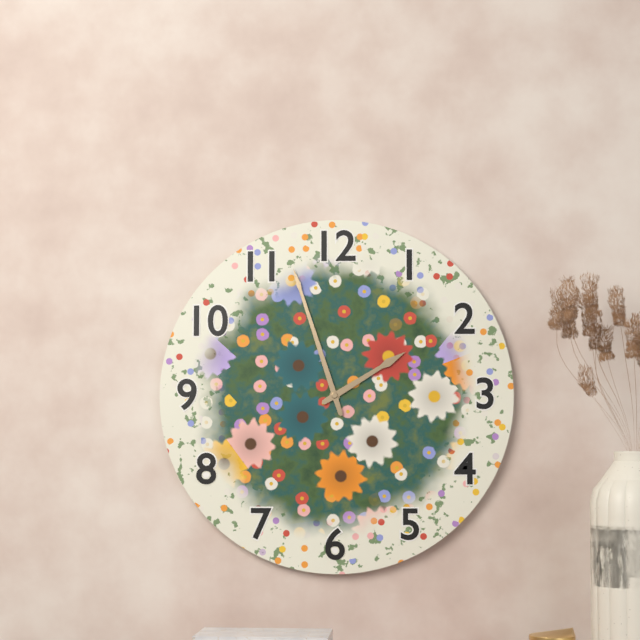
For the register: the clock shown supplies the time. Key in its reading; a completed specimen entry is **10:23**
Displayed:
**1:57**
